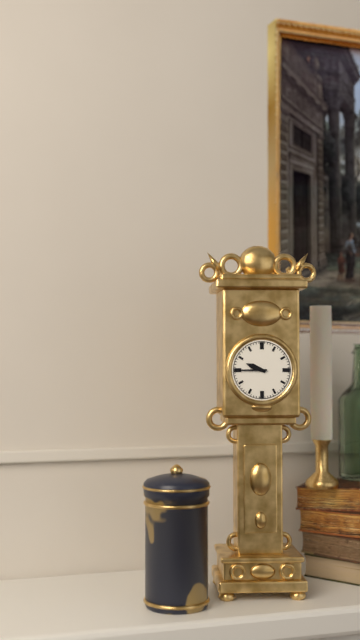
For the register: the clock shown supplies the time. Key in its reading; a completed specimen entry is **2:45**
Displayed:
**9:45**
